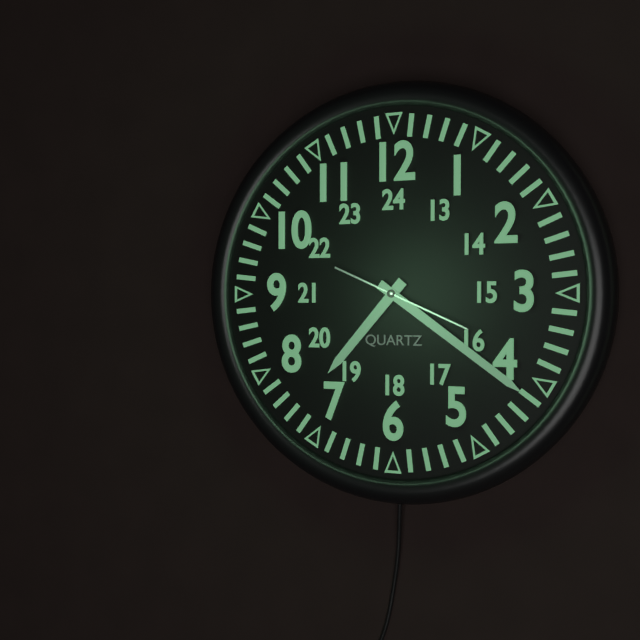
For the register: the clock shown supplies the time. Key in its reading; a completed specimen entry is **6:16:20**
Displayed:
**7:21:19**
